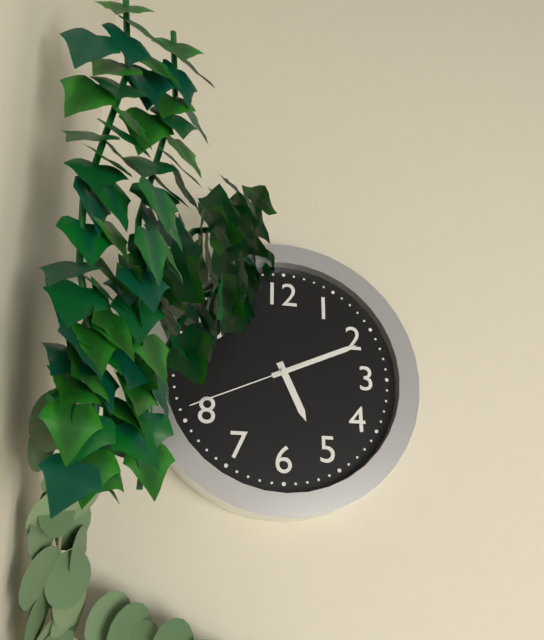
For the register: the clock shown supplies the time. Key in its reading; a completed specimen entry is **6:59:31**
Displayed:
**5:11:41**
